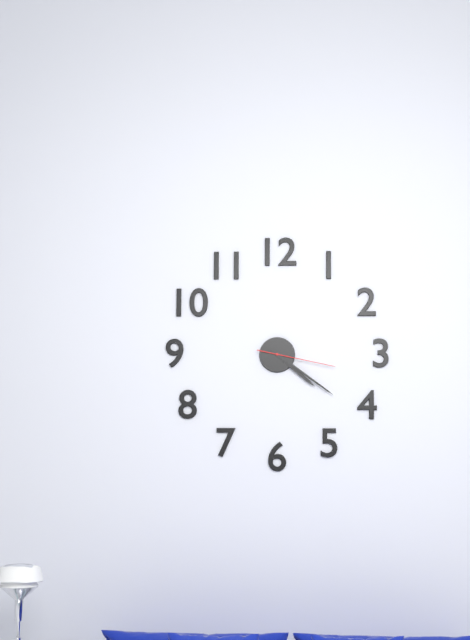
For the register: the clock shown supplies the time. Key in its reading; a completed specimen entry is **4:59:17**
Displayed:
**4:21:17**
